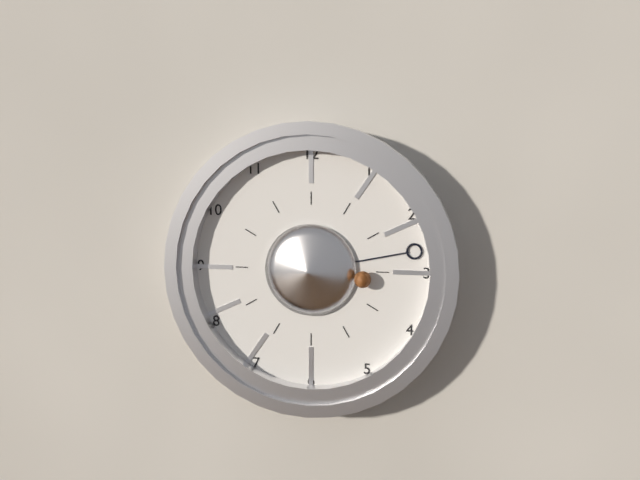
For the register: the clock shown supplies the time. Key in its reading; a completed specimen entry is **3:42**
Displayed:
**3:13**
